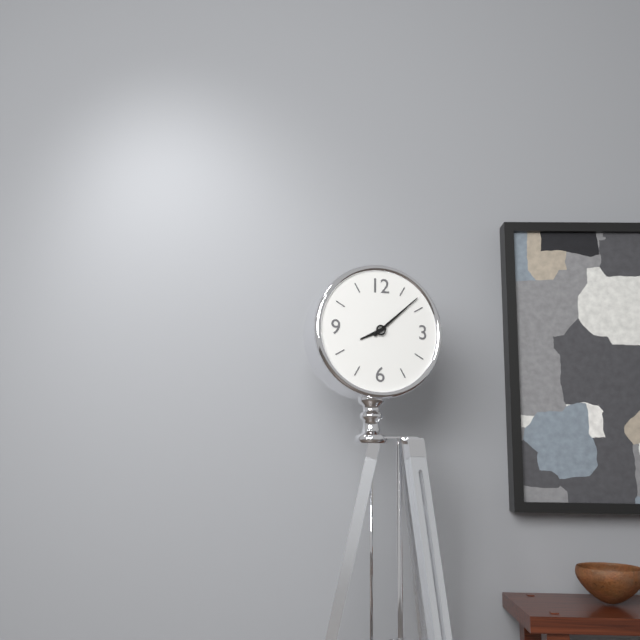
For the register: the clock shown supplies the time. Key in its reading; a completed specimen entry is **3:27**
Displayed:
**8:08**
